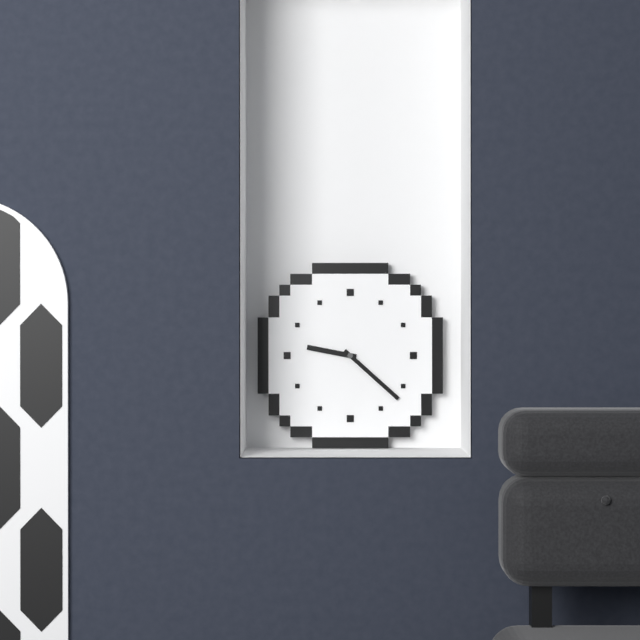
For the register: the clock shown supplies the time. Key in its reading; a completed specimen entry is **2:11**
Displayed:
**9:22**
